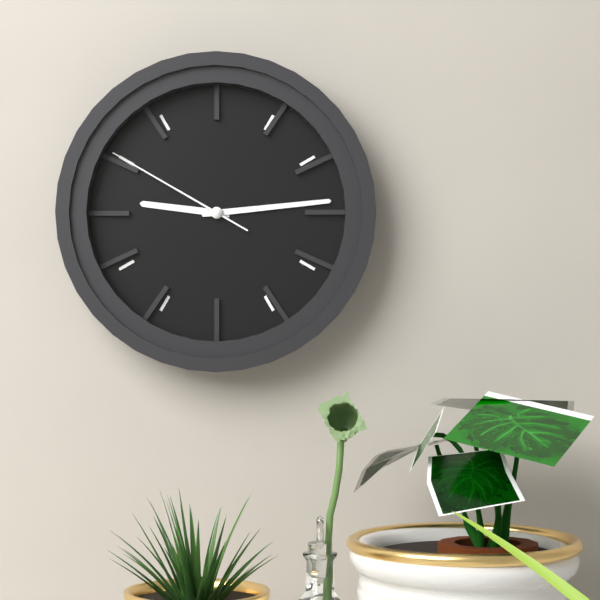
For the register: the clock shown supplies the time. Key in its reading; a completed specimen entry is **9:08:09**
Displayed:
**9:14:50**
